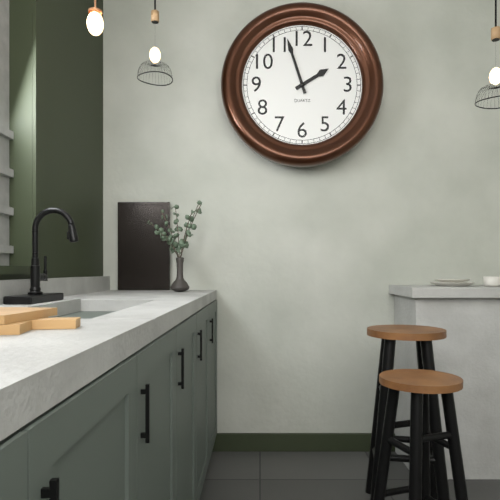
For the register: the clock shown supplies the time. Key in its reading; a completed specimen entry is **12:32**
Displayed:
**1:57**
